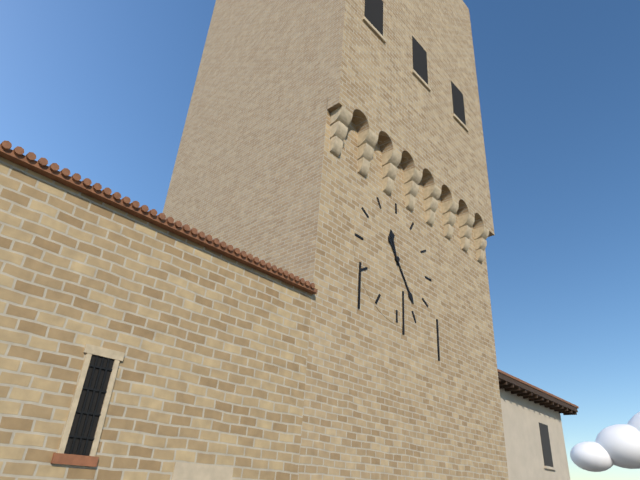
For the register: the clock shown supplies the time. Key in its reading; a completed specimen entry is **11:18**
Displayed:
**11:24**
